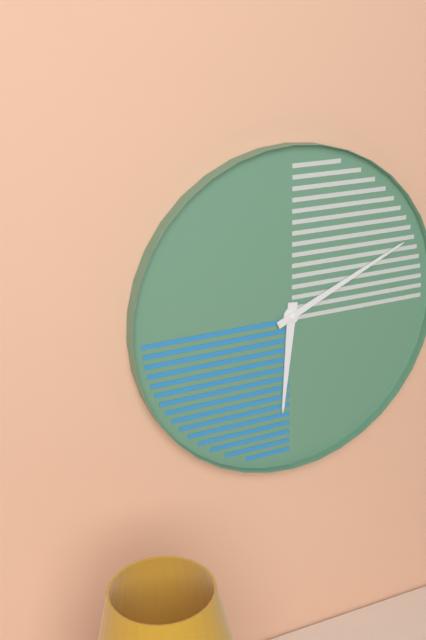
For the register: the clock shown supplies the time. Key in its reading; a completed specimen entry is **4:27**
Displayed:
**6:11**
